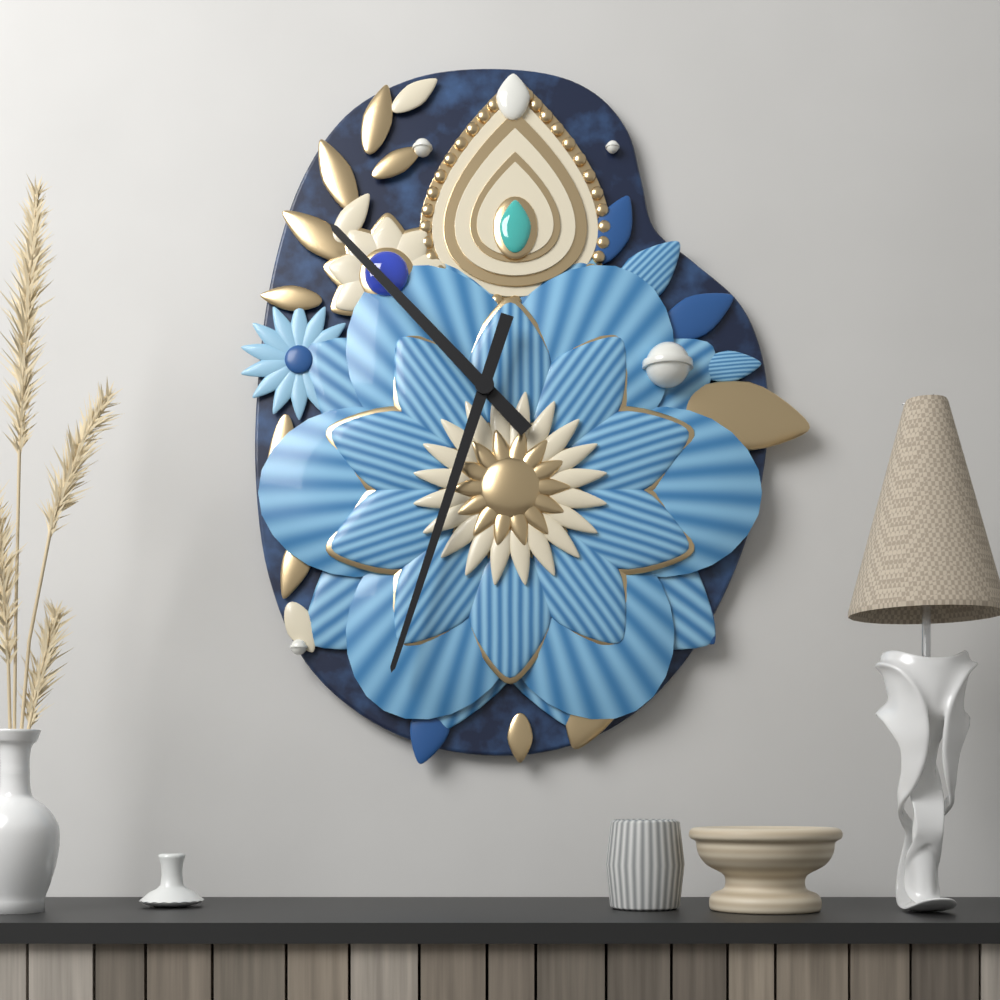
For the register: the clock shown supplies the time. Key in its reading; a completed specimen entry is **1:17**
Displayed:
**10:33**
